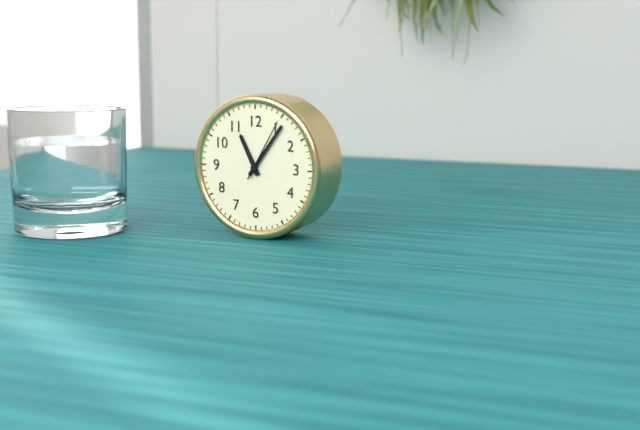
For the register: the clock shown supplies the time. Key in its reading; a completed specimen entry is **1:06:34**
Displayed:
**11:06:05**
